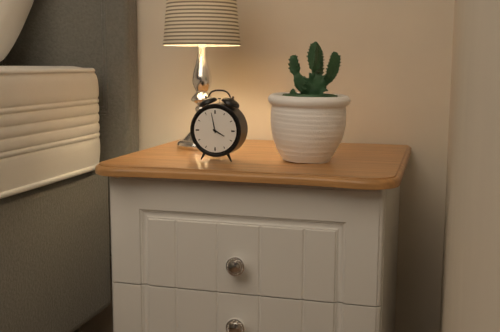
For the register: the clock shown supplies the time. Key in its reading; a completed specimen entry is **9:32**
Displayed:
**3:58**
